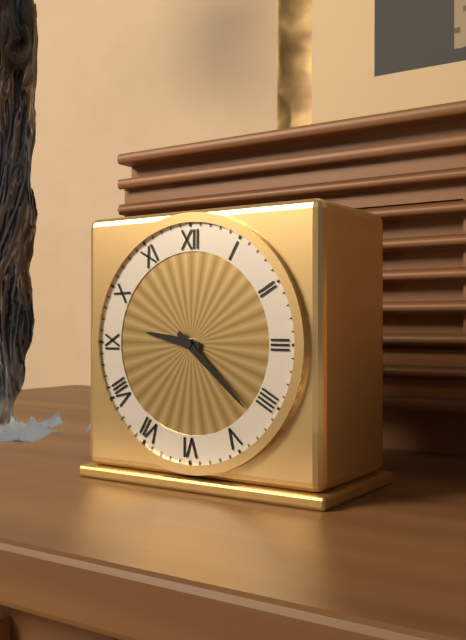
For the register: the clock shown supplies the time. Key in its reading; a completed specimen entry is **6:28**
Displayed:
**9:22**
